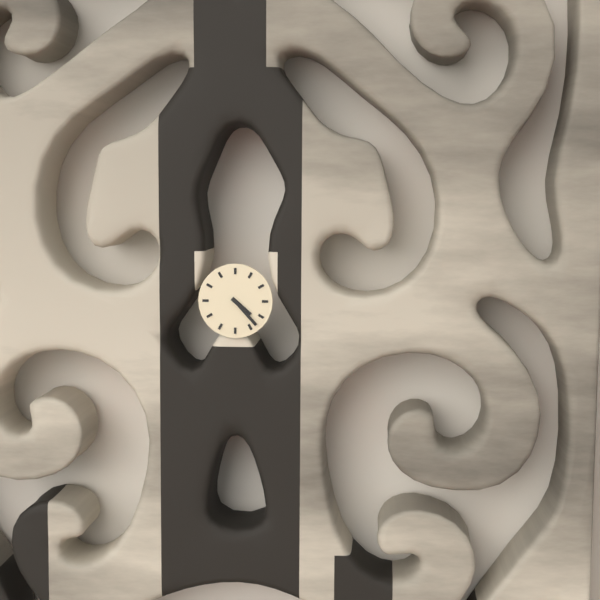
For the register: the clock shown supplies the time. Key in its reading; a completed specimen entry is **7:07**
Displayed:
**4:23**
